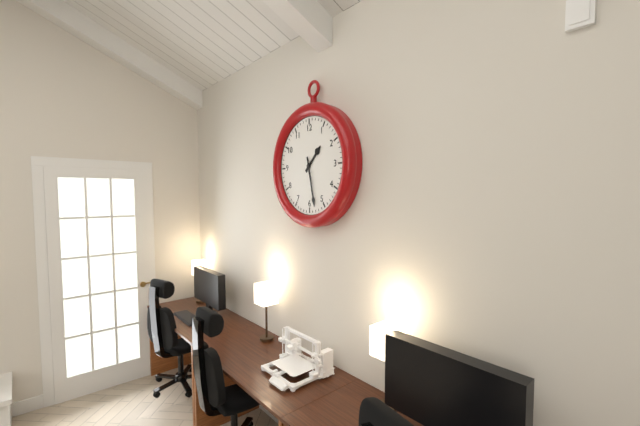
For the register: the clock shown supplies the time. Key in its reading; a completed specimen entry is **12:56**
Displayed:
**1:28**
